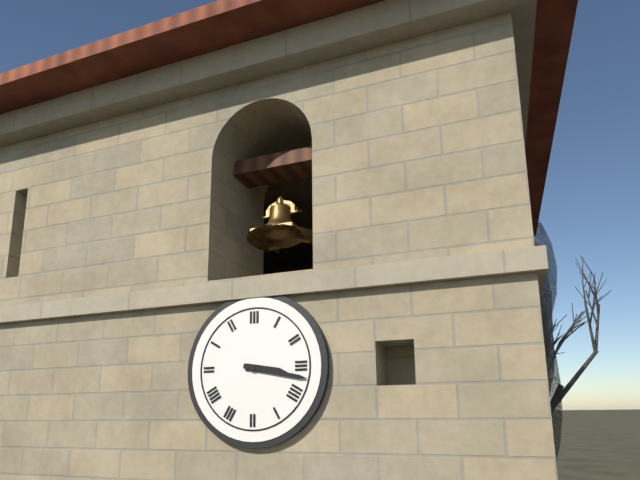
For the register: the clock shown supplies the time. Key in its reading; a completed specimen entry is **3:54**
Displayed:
**3:17**
